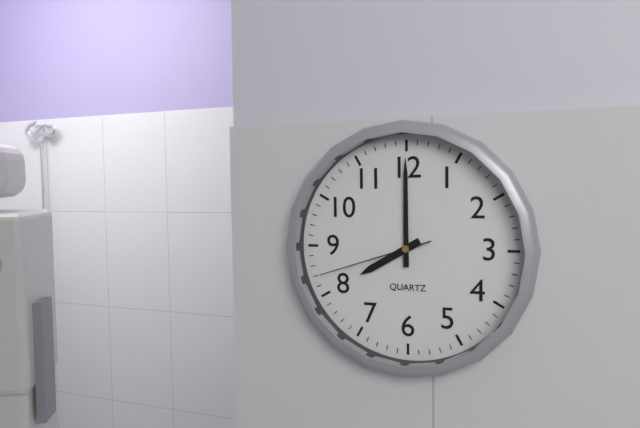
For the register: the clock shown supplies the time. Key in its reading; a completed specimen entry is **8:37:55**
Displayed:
**8:00:42**
